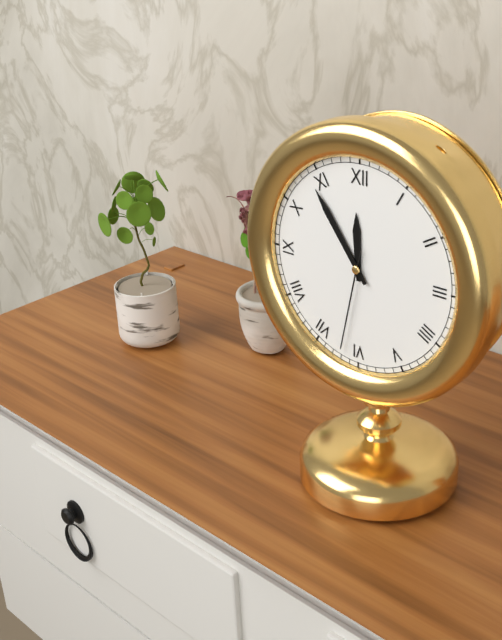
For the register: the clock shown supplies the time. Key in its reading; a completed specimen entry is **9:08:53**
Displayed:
**11:54:32**
